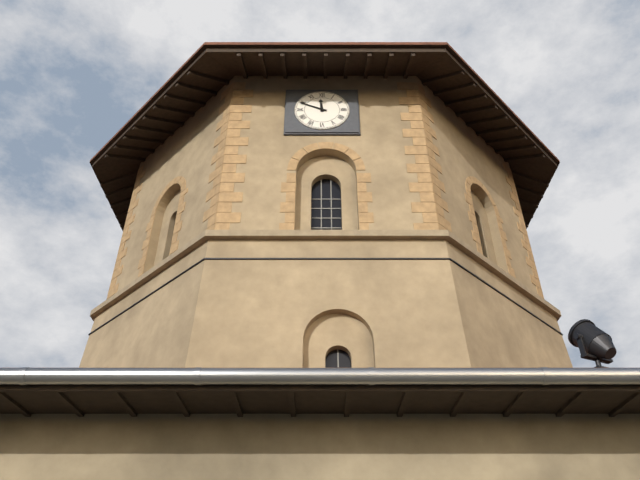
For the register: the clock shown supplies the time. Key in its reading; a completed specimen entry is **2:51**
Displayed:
**11:49**
